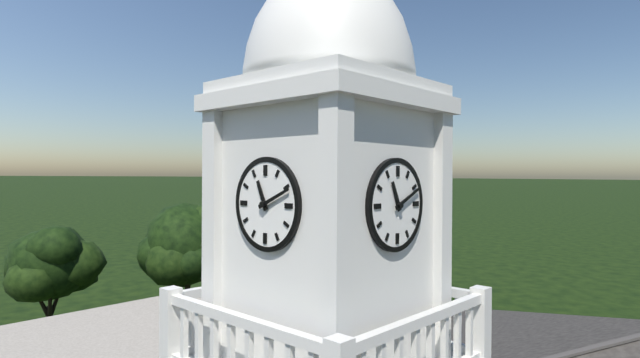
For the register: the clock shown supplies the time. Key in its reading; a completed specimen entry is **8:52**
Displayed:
**11:11**
